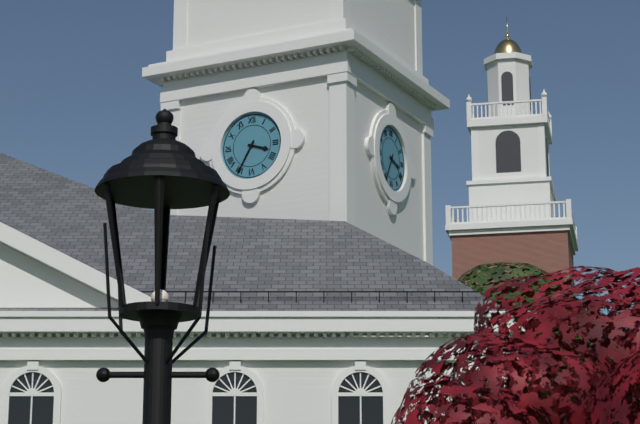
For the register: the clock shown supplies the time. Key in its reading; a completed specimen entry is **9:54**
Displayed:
**3:35**
